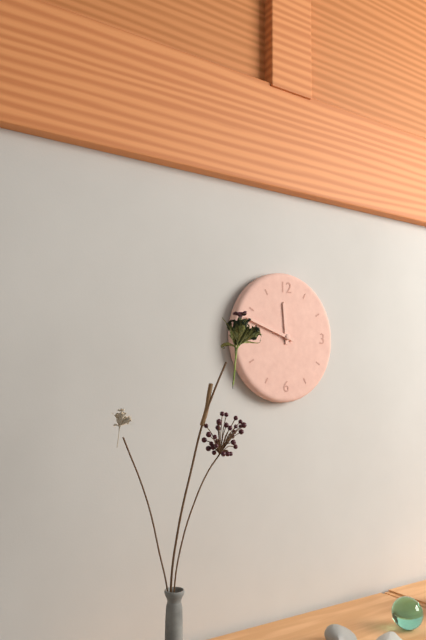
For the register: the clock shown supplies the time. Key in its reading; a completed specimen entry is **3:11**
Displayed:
**11:48**
